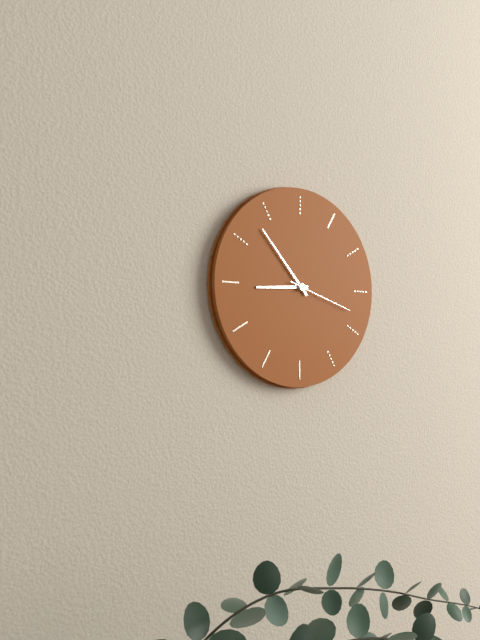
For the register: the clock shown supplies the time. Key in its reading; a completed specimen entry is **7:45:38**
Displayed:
**8:53:18**
